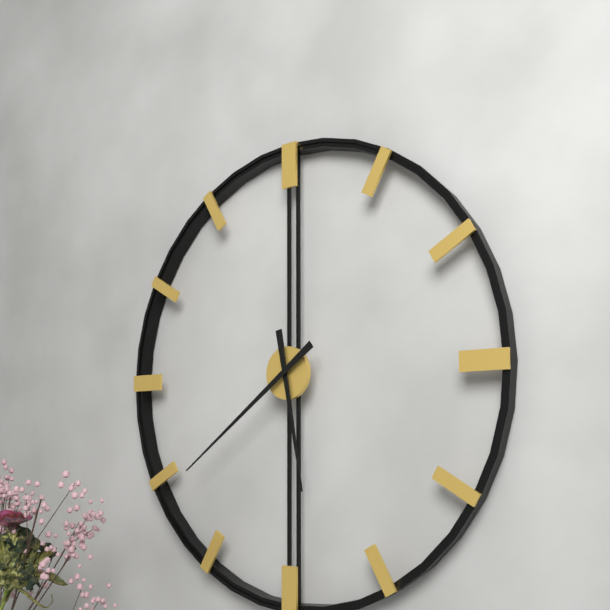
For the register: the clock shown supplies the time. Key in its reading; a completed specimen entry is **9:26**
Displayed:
**5:39**
